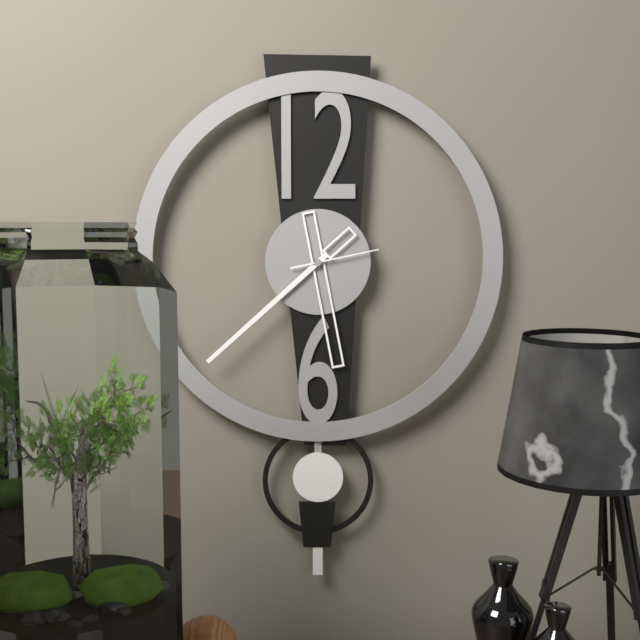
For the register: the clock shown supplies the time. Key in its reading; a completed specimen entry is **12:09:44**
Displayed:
**5:38:13**
